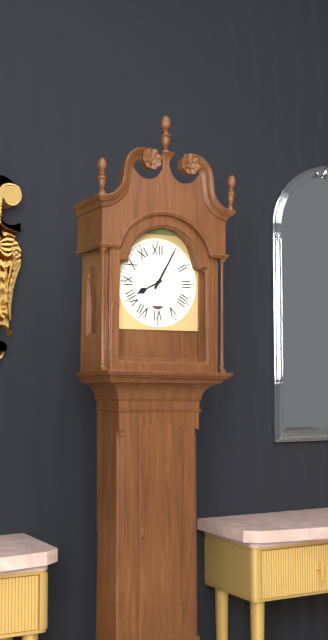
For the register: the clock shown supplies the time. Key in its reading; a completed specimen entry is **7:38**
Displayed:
**8:05**
